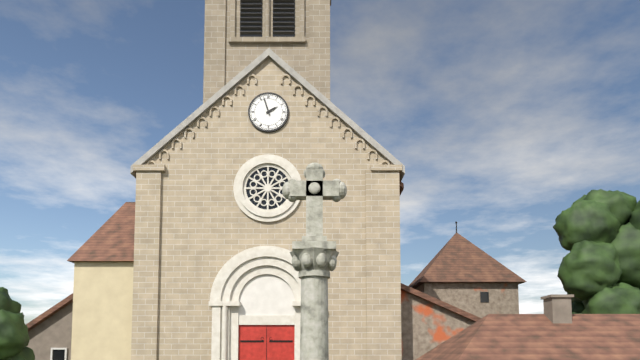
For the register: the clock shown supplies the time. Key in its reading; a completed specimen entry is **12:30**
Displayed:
**1:57**
